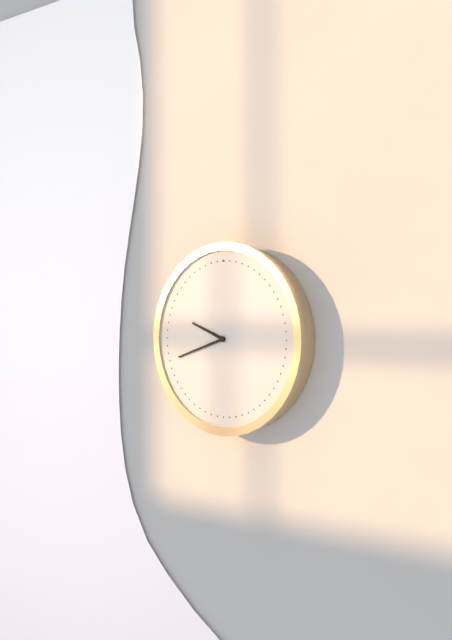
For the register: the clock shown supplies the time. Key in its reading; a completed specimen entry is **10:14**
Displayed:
**9:42**
